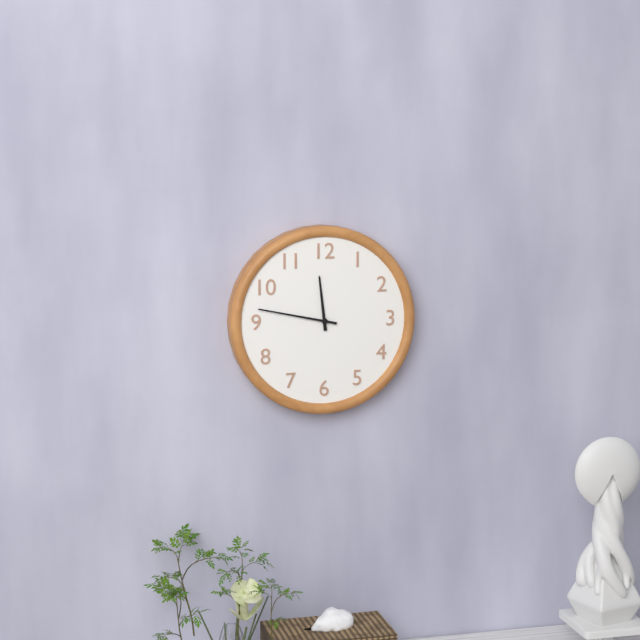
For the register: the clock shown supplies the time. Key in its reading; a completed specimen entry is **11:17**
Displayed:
**11:47**
